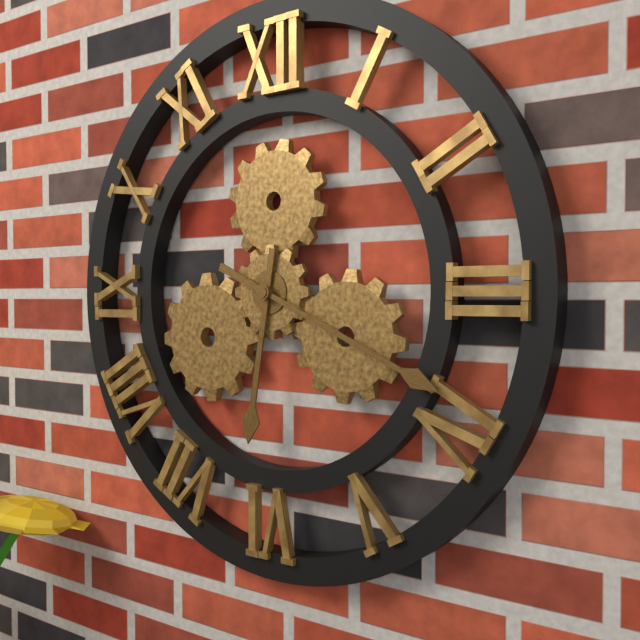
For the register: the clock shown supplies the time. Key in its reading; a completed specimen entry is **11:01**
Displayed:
**6:19**
